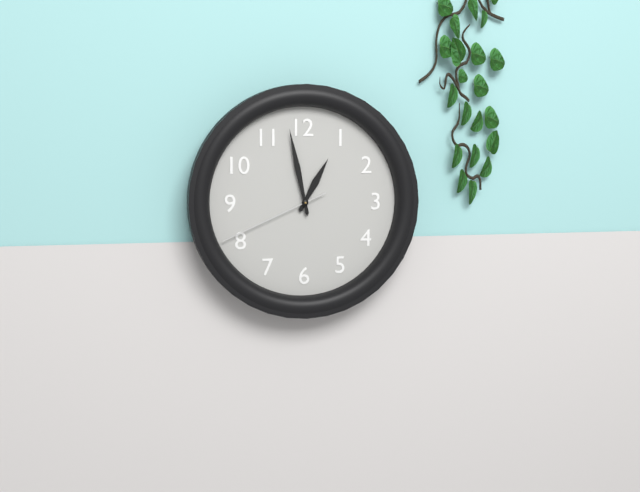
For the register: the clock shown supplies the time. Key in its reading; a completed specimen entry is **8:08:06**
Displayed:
**12:58:41**
